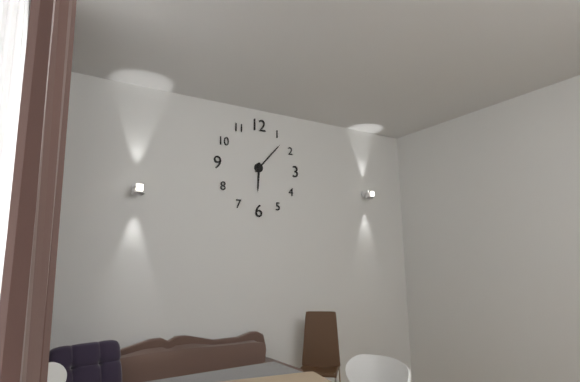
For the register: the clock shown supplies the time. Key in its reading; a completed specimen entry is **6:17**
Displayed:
**6:07**
